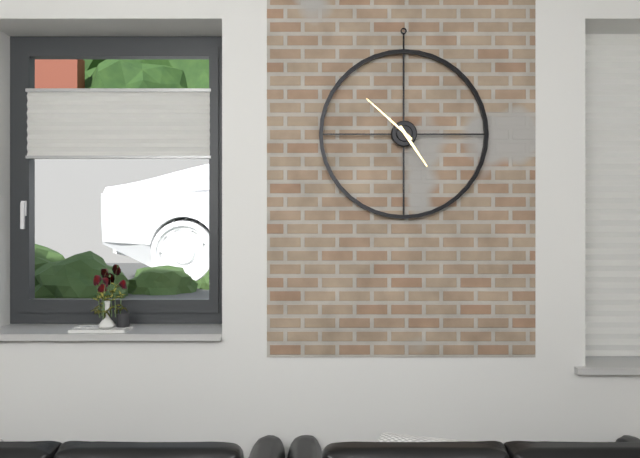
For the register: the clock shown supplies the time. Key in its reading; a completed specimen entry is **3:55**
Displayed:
**4:52**
